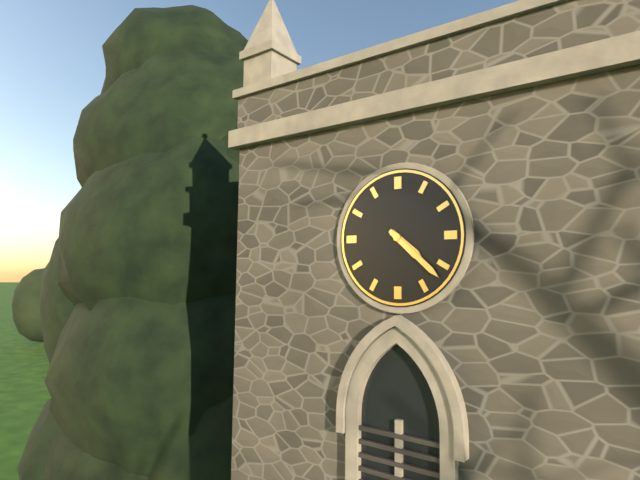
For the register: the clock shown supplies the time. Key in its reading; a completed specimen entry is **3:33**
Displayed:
**4:22**
